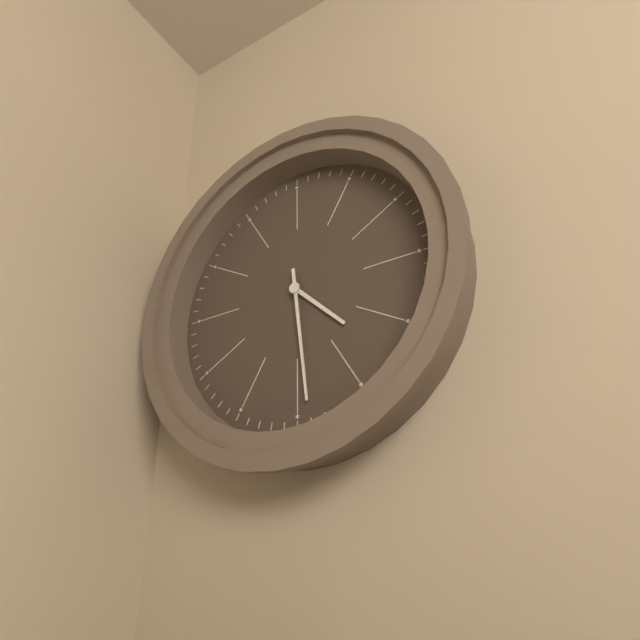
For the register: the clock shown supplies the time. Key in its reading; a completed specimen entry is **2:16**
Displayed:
**4:29**
